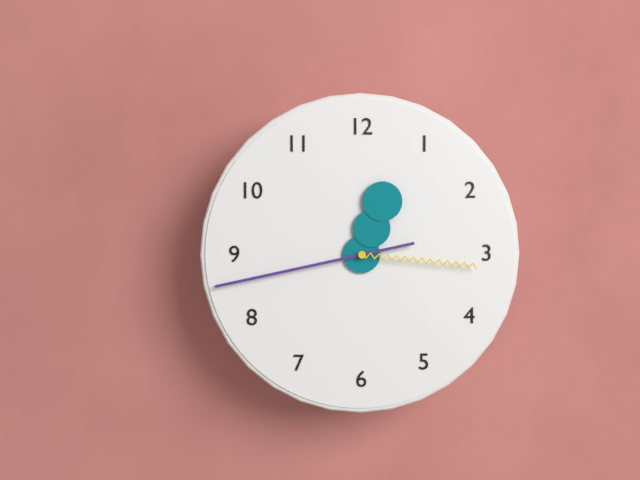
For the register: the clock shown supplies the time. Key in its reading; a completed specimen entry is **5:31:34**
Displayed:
**12:43:16**
